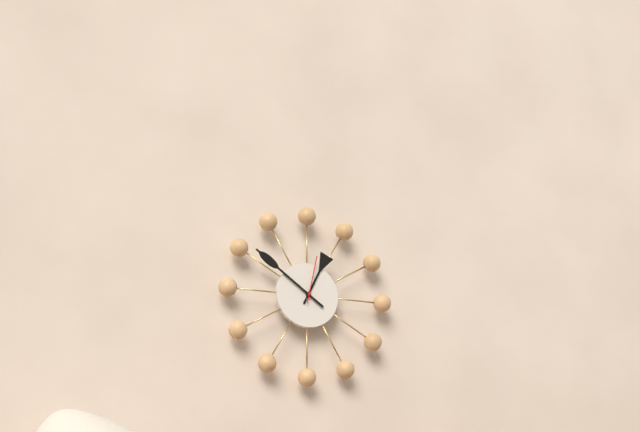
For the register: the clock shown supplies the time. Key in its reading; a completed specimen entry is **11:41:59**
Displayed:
**12:51:02**
